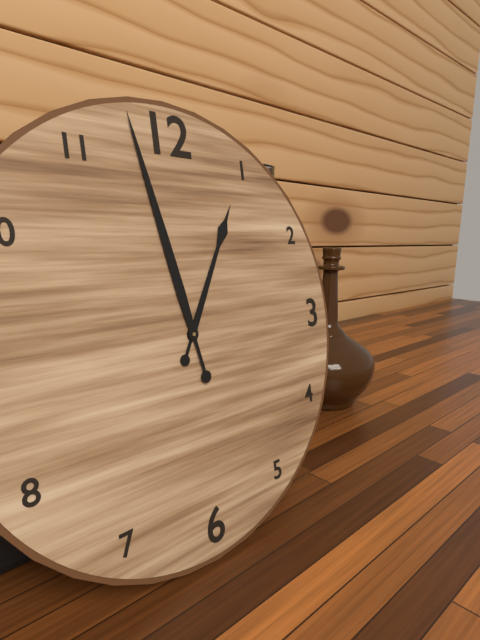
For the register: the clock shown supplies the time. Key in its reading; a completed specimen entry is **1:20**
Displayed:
**12:58**
